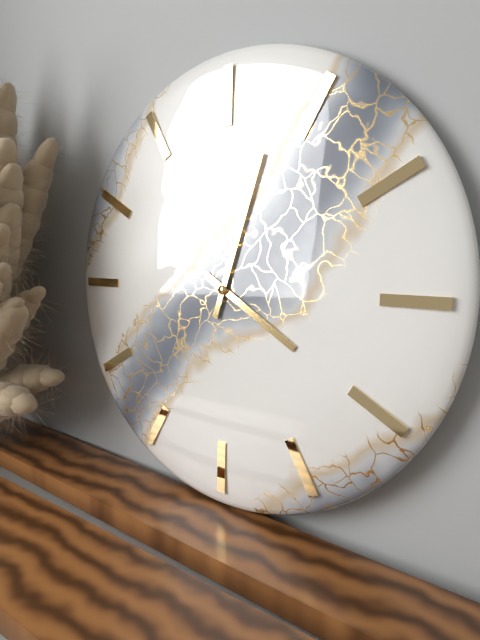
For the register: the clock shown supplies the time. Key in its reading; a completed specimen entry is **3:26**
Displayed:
**4:03**
